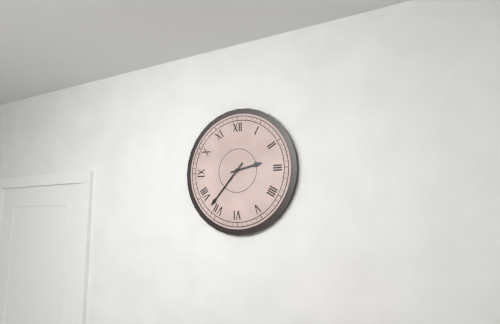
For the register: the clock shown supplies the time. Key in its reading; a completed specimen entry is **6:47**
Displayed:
**2:37**
